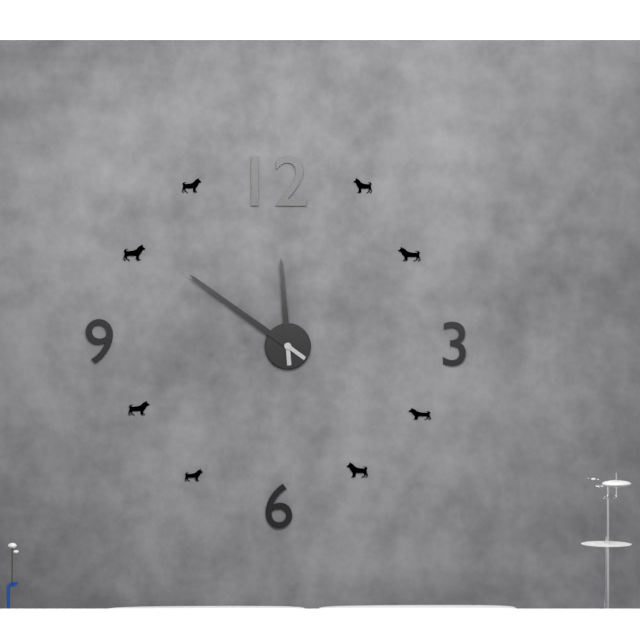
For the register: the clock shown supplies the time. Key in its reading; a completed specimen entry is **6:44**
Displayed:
**11:51**
